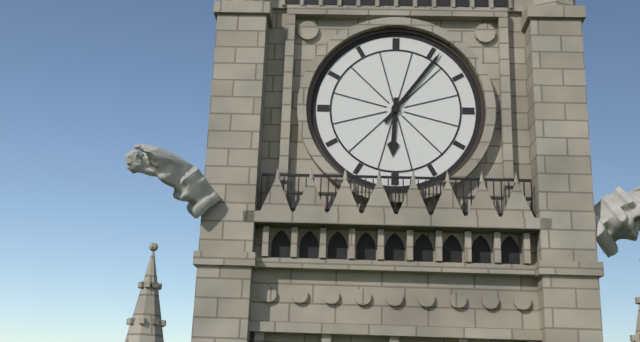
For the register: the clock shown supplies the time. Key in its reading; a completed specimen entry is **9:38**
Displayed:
**6:06**
